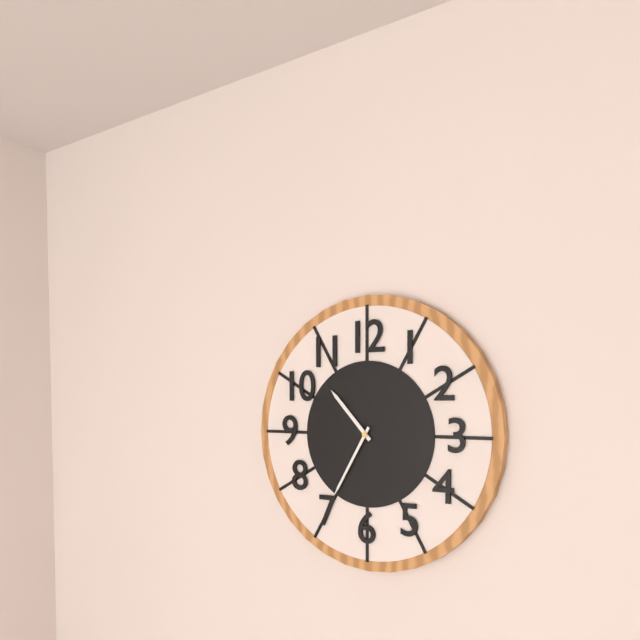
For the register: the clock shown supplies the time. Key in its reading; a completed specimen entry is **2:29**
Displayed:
**10:35**
